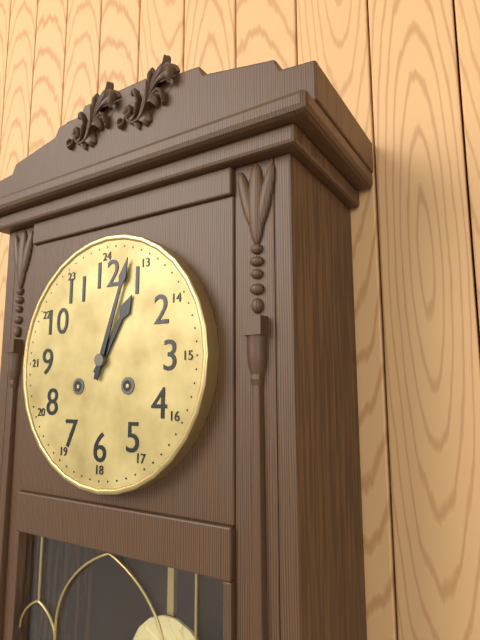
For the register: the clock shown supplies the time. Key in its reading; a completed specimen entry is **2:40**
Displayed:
**1:03**
